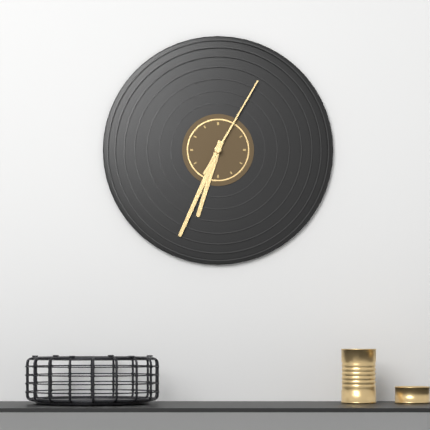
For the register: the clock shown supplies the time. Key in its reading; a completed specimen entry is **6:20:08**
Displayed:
**6:34:05**
